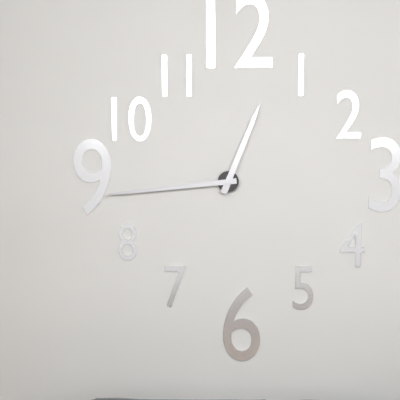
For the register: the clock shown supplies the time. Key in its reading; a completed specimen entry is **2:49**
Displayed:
**12:44**
